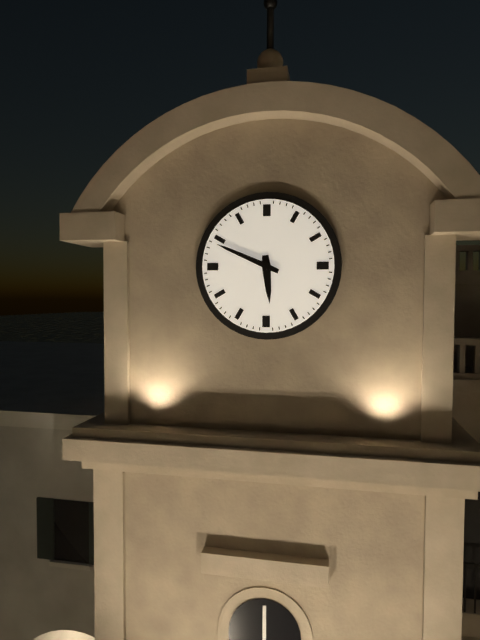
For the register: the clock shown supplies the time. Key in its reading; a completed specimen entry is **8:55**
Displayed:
**5:49**
